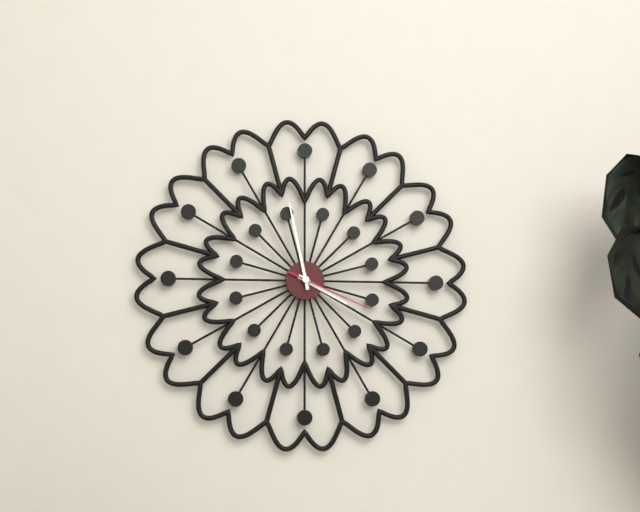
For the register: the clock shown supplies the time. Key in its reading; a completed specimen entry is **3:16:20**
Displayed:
**3:58:19**
